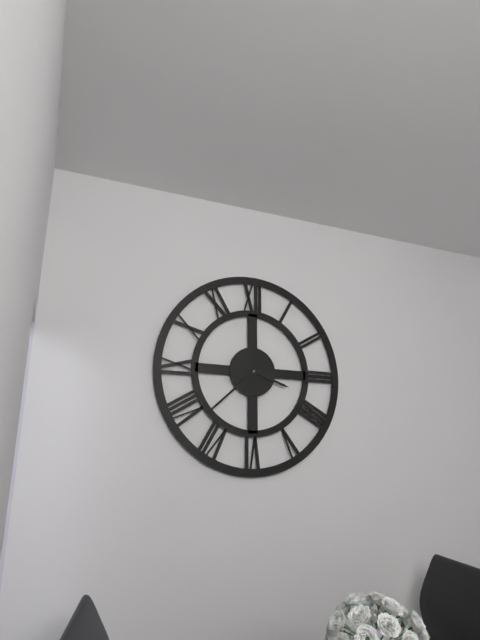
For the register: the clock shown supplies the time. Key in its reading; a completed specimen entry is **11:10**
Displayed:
**3:38**
